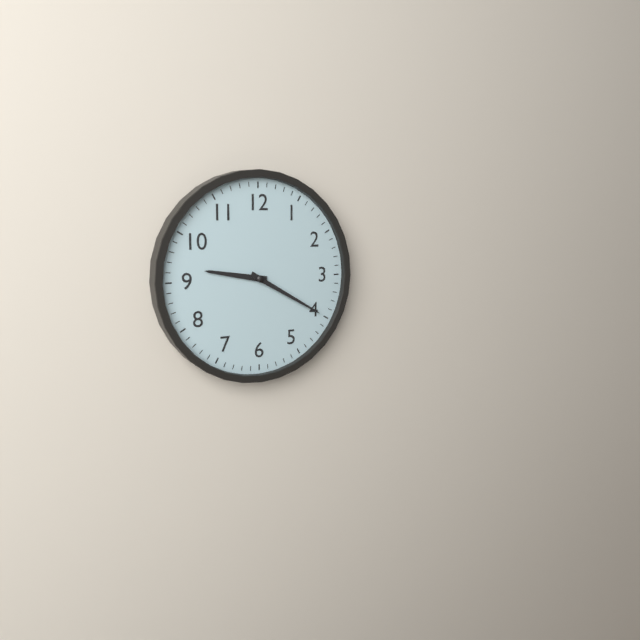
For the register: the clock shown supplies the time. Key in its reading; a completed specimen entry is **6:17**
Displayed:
**9:20**
